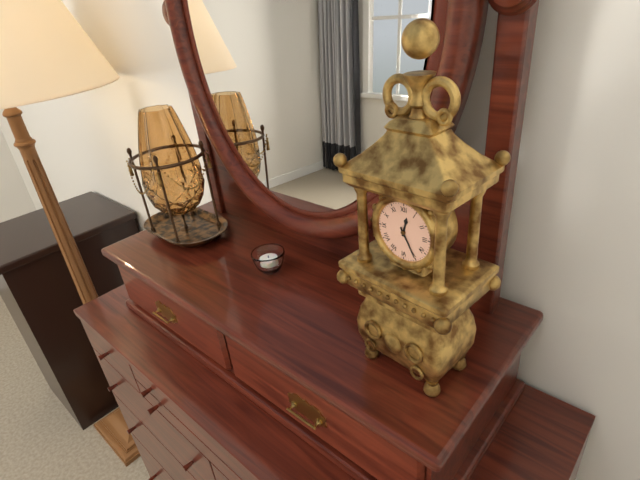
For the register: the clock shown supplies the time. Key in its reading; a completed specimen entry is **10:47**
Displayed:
**12:25**
